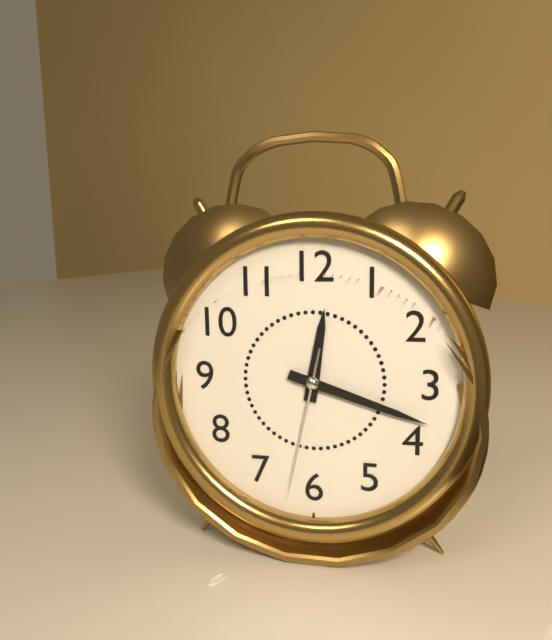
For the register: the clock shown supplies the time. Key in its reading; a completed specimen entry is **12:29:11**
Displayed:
**12:18:32**
